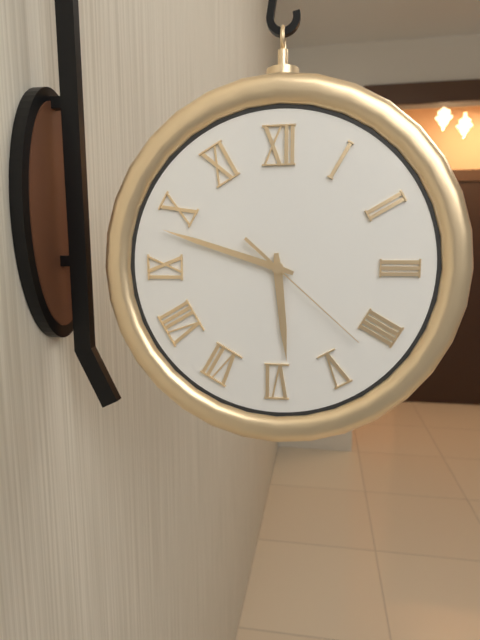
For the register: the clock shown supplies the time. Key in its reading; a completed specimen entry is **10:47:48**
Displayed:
**5:48:22**
